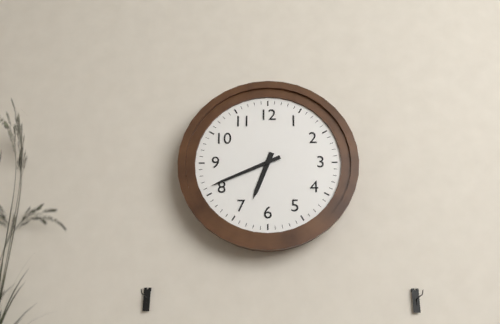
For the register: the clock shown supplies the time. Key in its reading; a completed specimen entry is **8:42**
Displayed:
**6:41**
